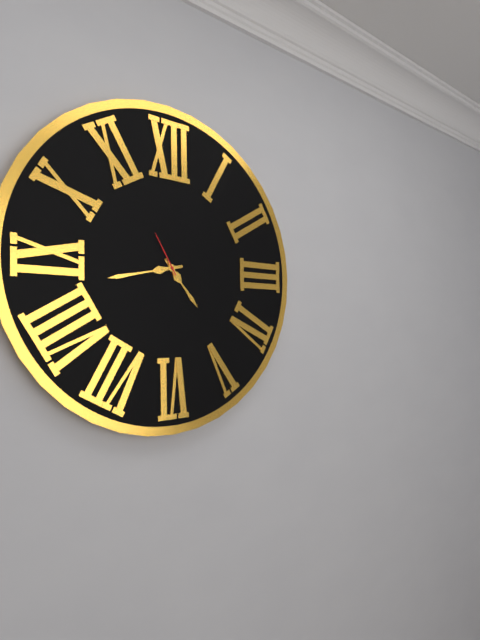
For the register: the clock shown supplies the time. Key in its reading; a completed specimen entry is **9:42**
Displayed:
**4:43**
